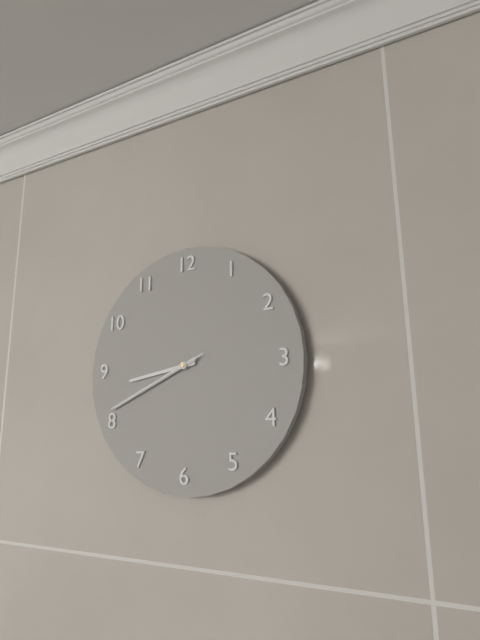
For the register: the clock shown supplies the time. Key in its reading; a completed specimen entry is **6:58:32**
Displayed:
**8:41:41**
